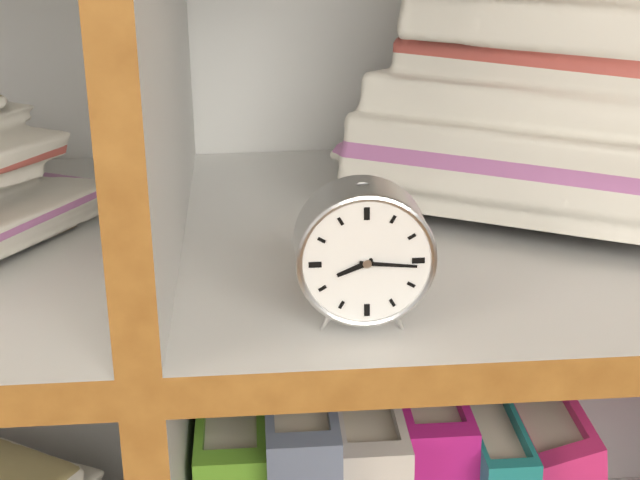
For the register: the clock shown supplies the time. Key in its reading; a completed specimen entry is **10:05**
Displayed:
**8:16**
